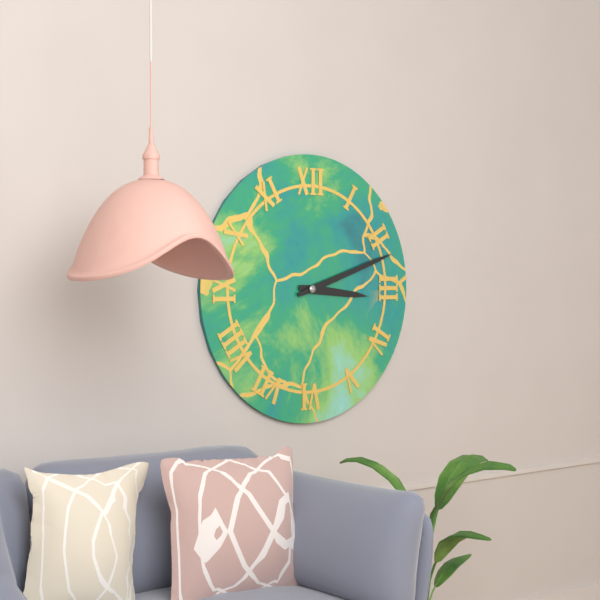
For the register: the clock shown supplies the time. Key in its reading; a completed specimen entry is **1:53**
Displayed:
**3:12**
